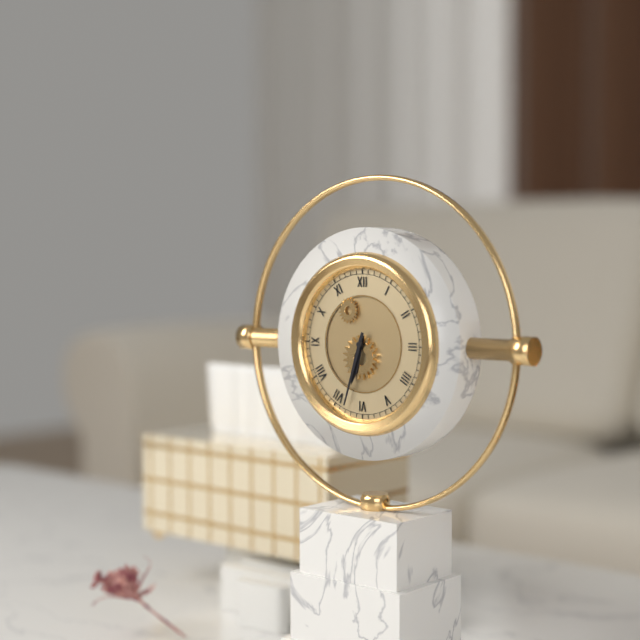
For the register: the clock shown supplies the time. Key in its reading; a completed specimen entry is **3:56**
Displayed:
**6:33**
